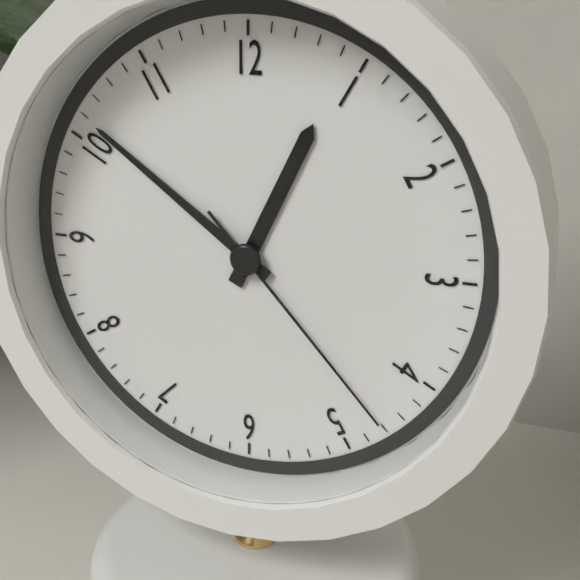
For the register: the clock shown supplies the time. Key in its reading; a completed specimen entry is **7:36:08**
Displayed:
**12:51:23**
